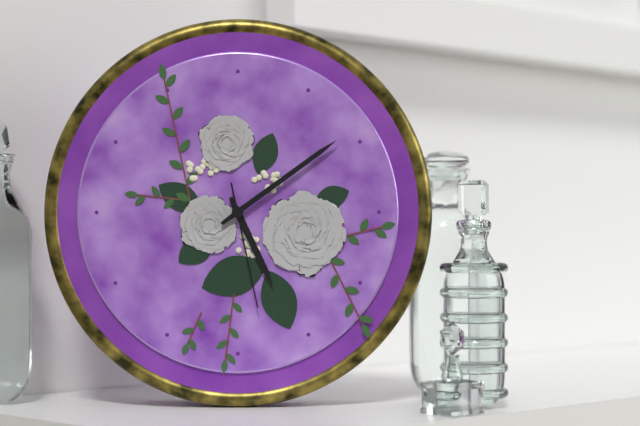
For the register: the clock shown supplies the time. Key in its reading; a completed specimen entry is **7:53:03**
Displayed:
**5:09:28**
